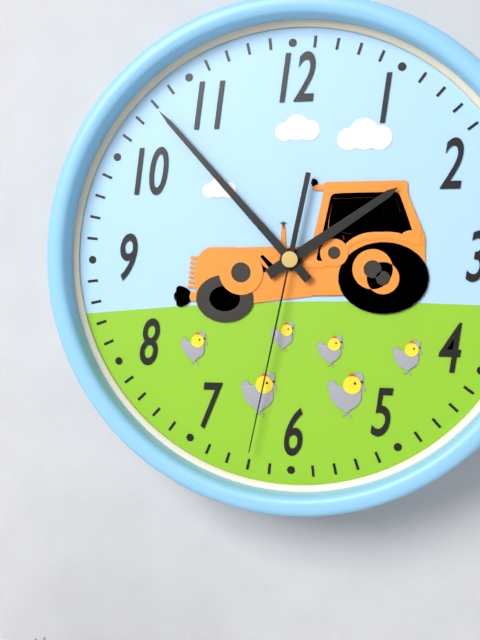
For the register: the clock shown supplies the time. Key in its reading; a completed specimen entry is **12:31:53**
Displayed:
**1:53:32**
